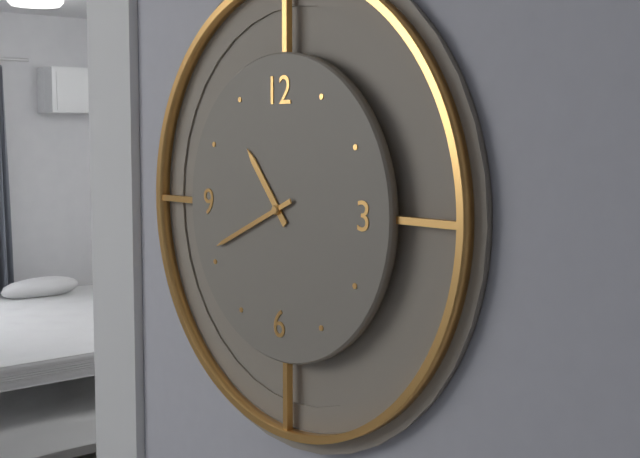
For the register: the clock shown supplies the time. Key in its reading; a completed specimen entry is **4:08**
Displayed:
**10:41**
